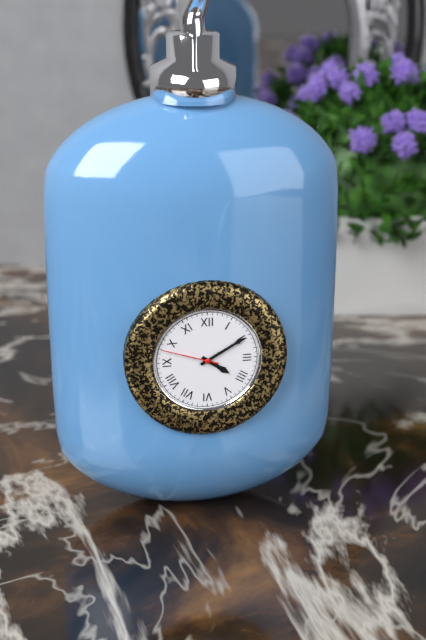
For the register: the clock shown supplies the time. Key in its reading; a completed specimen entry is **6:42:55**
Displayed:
**4:10:48**
